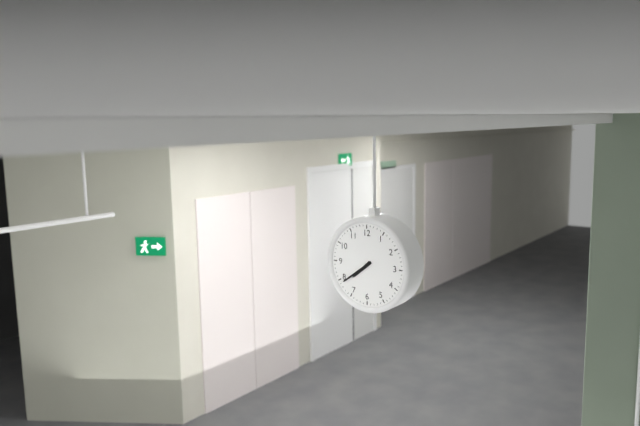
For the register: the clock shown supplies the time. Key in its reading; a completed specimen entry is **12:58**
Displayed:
**7:39**
